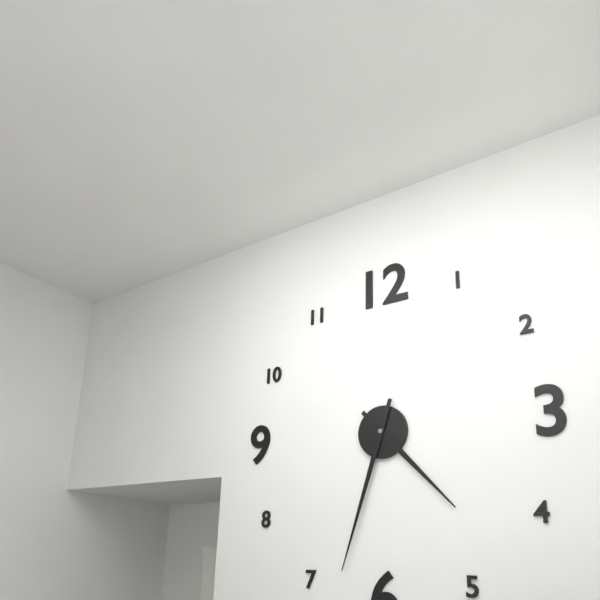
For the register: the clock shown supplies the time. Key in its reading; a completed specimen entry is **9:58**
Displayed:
**4:33**
